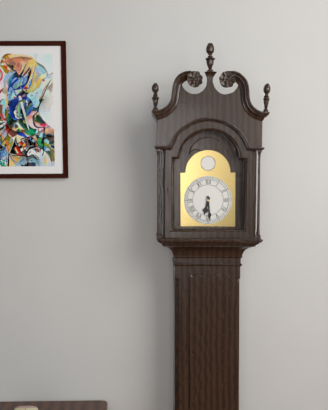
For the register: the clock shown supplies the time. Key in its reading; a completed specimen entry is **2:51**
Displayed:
**6:29**
